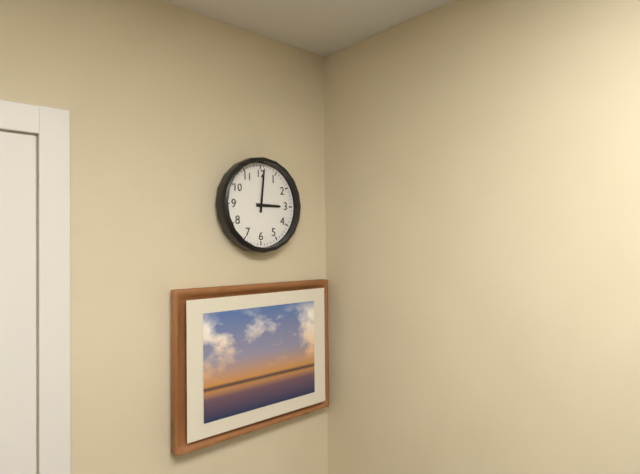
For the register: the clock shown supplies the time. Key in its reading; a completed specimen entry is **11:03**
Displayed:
**3:01**
